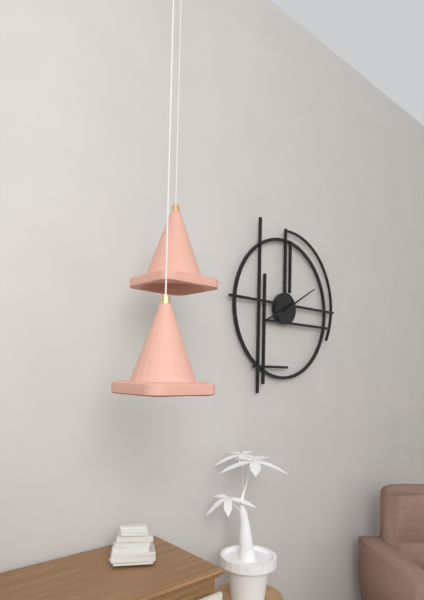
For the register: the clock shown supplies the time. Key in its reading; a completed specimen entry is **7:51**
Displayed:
**8:10**
